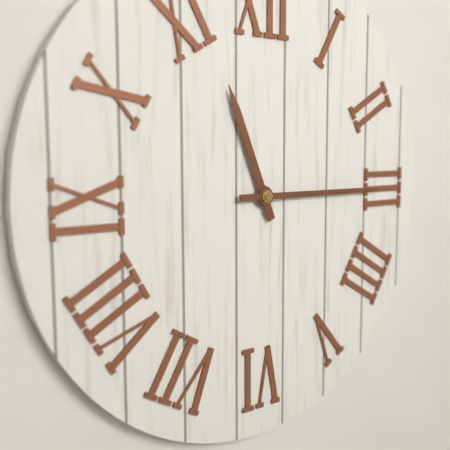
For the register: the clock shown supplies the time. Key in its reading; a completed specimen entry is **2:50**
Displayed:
**11:15**
